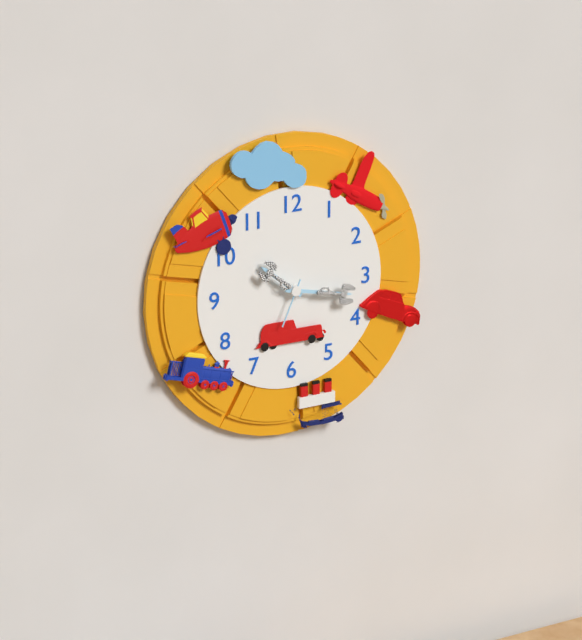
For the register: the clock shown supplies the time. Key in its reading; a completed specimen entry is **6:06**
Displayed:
**10:17**
